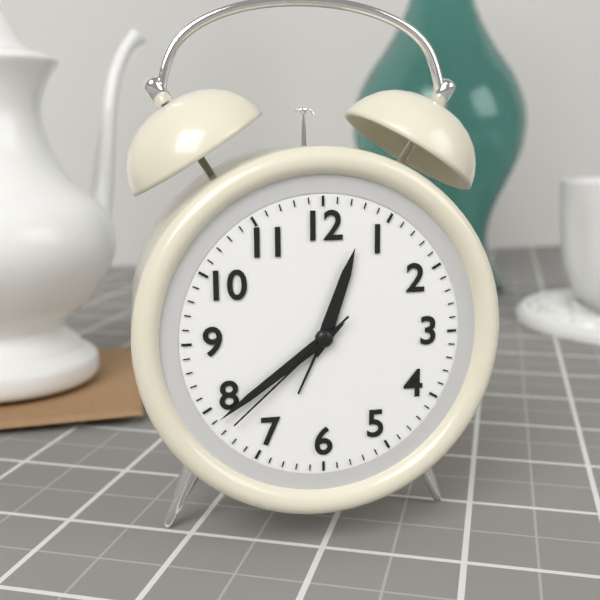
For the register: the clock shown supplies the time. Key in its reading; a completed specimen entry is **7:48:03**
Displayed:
**12:39:38**
